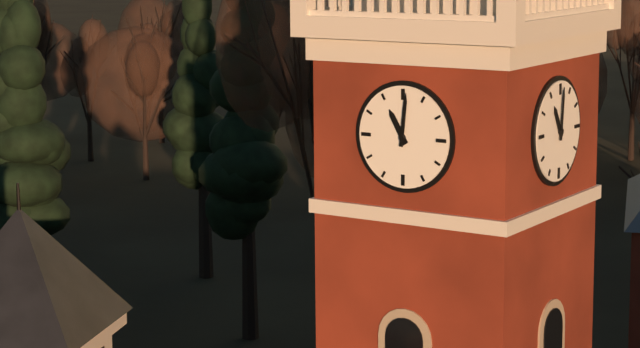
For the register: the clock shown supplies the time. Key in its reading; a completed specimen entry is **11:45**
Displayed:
**11:01**
